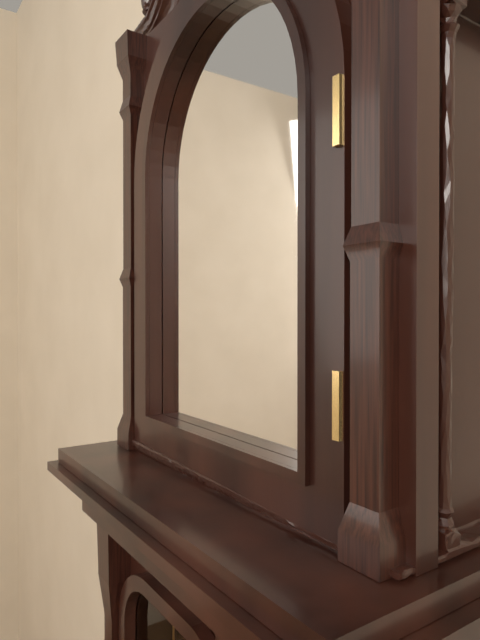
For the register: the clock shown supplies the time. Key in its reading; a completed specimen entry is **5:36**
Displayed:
**2:43**
